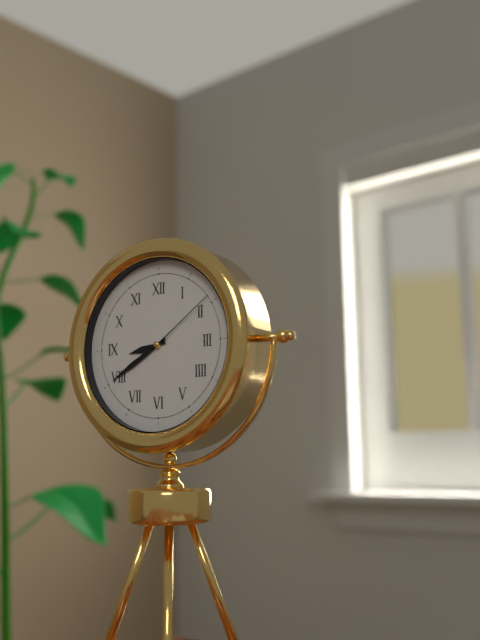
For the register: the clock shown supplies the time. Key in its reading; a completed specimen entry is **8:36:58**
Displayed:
**8:40:09**
